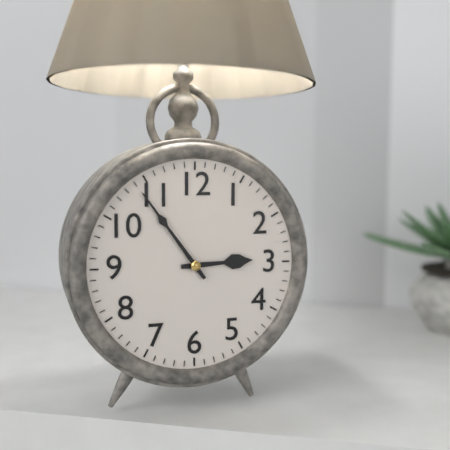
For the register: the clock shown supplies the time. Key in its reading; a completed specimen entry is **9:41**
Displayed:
**2:54**
